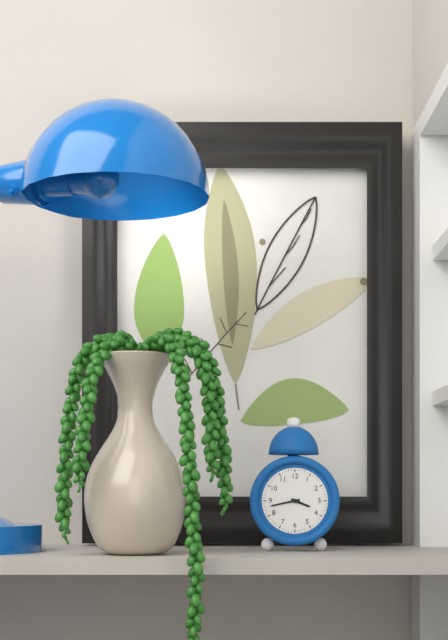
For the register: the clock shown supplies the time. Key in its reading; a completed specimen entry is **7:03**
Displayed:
**3:43**
